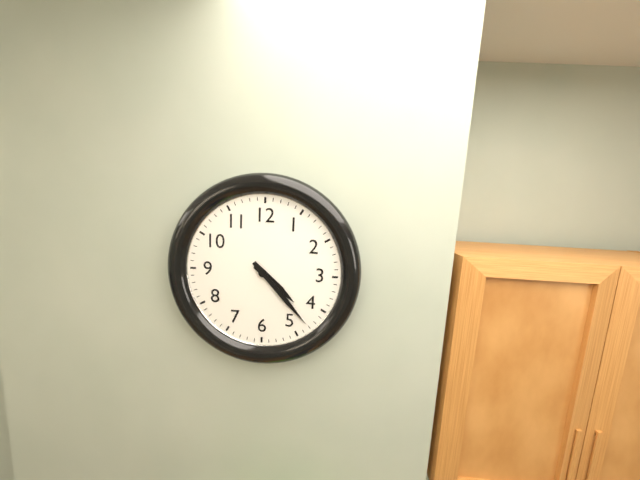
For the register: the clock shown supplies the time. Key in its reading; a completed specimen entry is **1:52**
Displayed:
**4:23**
